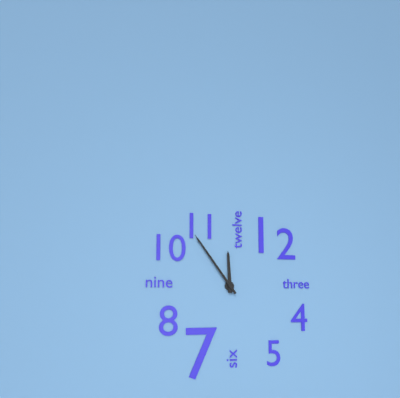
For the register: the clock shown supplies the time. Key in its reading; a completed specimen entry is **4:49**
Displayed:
**11:54**
